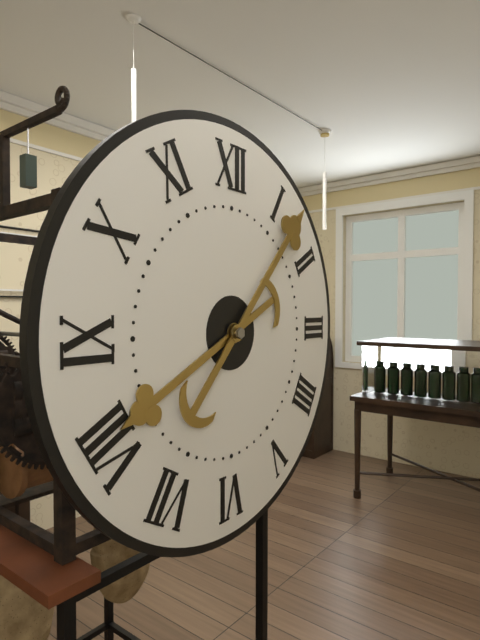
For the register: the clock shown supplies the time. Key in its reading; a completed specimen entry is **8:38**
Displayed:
**8:07**
